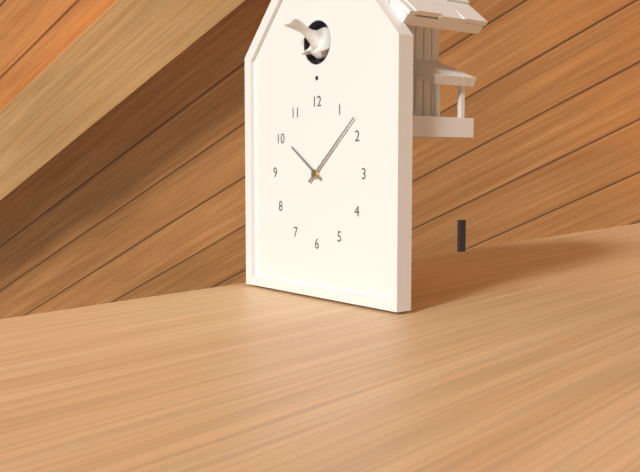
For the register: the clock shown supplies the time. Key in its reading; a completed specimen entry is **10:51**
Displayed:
**10:08**
